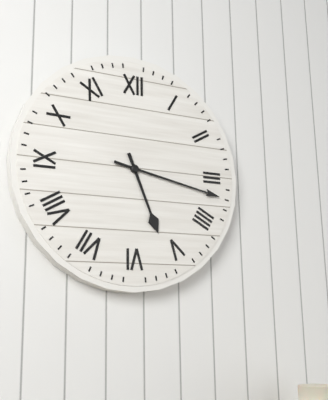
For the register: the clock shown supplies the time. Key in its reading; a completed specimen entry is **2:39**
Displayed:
**5:17**
